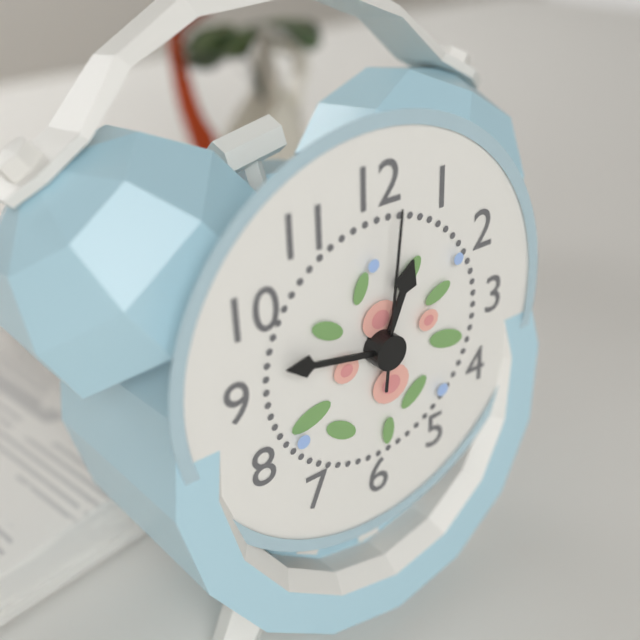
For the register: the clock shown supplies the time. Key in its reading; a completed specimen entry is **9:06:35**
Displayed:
**12:47:01**
